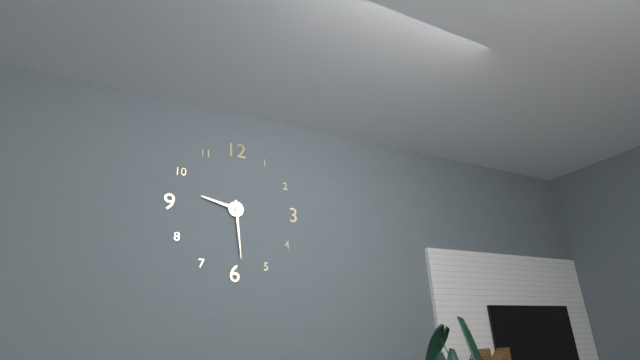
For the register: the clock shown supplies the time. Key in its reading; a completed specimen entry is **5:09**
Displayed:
**9:29**
